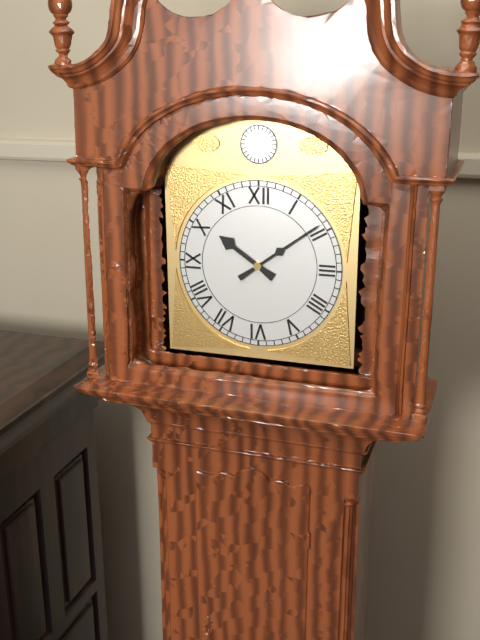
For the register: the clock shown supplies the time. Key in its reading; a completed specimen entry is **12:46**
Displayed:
**10:09**
